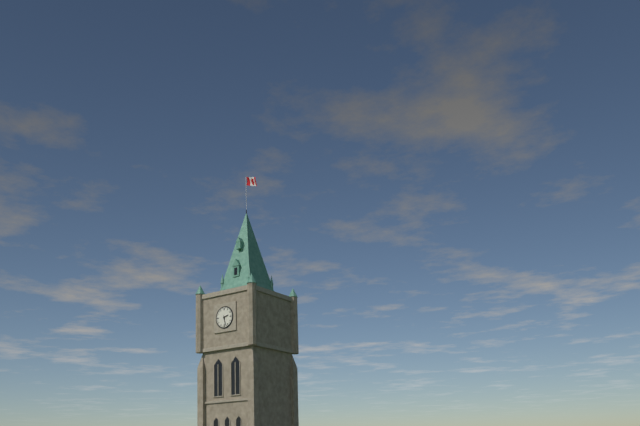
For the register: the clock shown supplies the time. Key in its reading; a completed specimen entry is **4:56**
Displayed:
**2:28**
